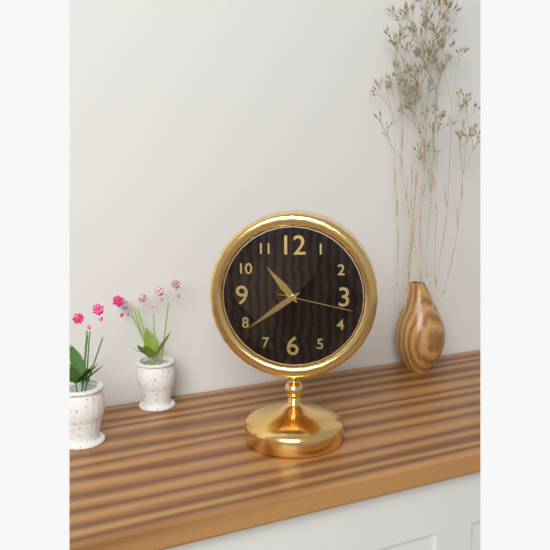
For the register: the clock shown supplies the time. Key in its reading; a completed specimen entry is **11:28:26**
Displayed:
**10:39:17**
